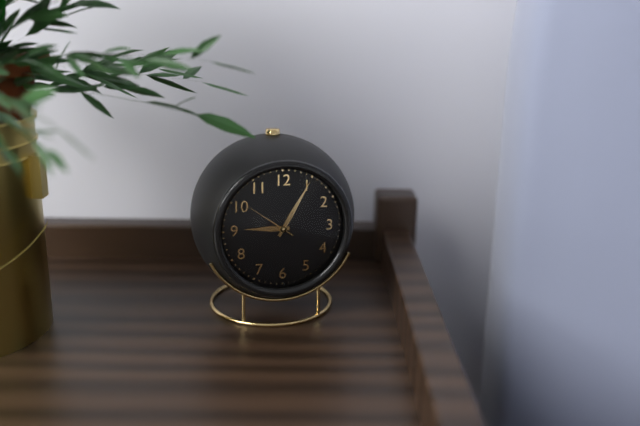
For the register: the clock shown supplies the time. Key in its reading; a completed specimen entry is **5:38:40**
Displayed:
**9:05:51**
